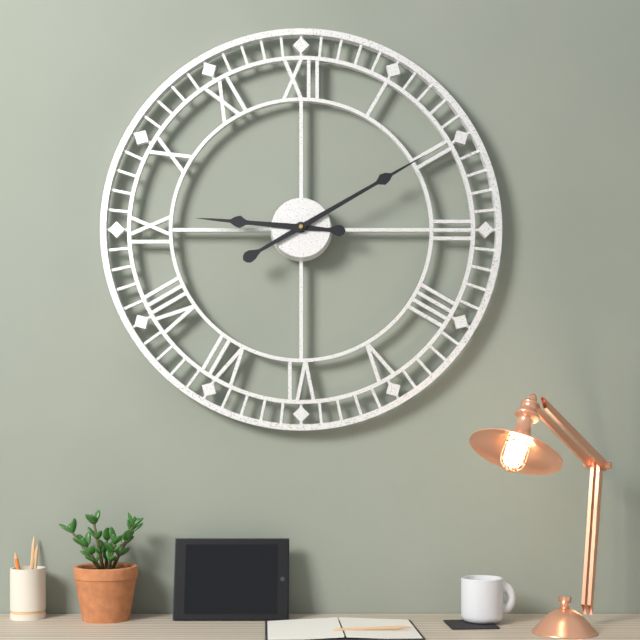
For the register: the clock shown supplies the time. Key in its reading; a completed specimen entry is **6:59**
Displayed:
**9:10**
